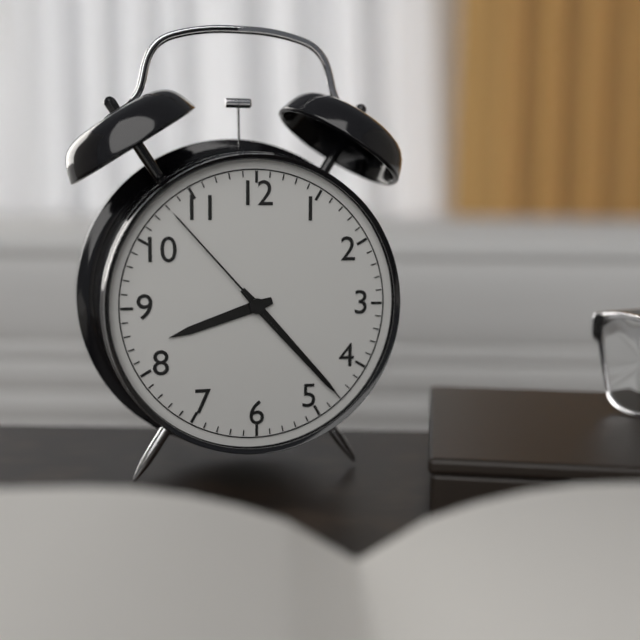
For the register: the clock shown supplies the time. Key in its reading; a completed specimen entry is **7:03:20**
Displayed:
**8:23:53**
